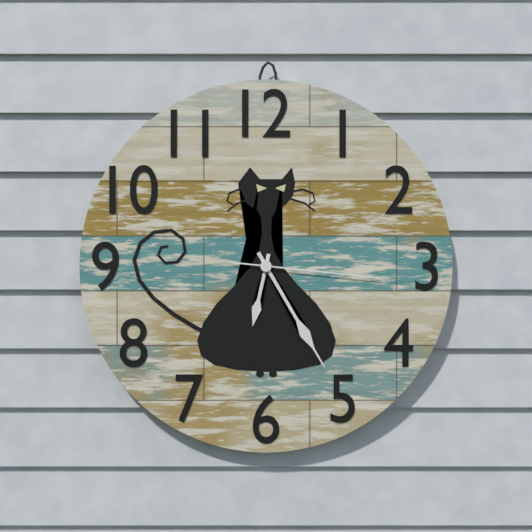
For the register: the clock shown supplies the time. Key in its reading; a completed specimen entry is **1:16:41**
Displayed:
**6:25:16**
